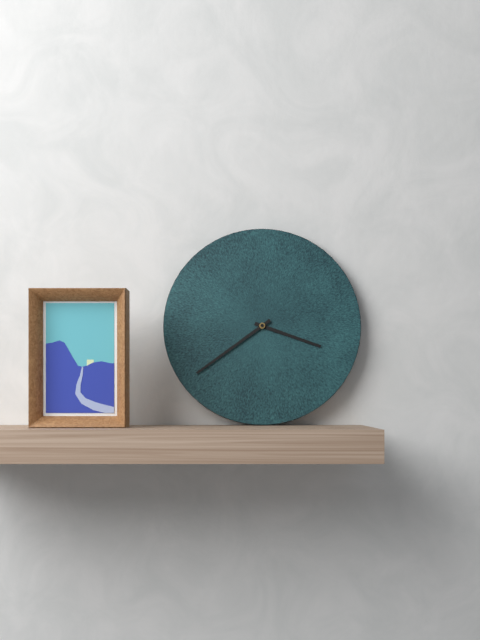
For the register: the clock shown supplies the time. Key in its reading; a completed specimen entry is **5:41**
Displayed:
**3:39**
